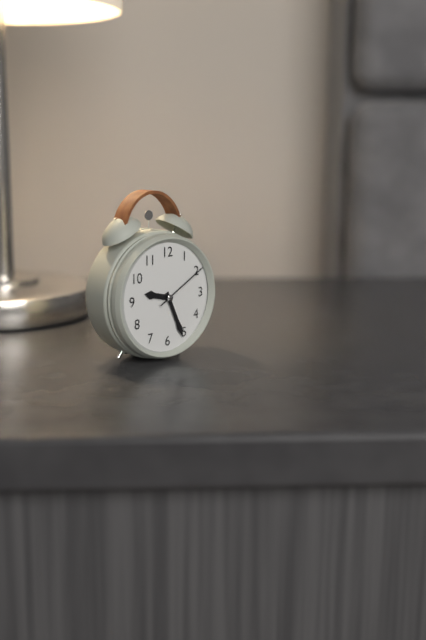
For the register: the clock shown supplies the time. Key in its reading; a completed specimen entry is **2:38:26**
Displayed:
**9:26:10**
